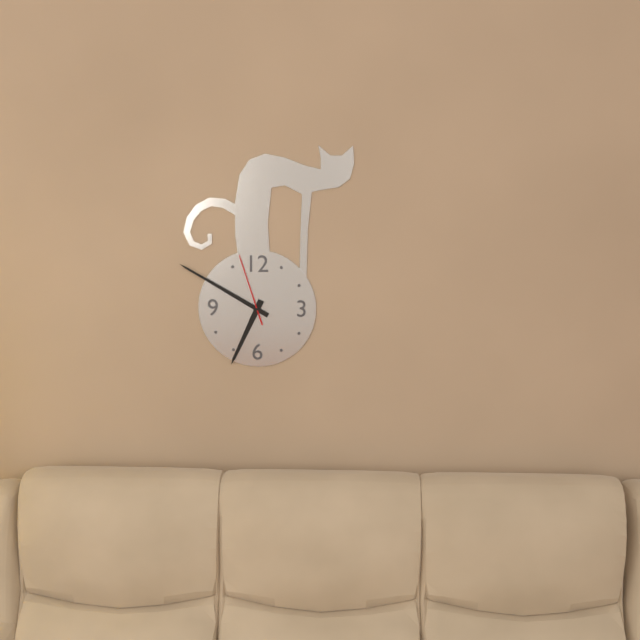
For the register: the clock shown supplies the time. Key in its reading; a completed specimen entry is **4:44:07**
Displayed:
**6:50:57**
